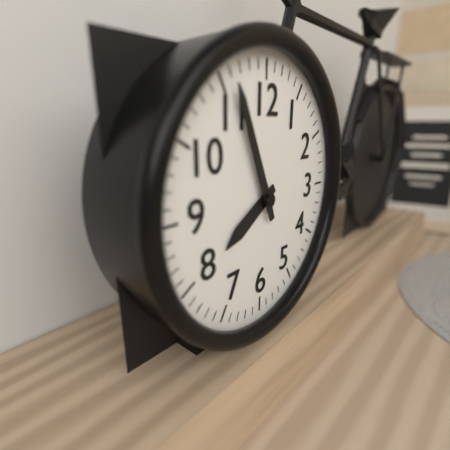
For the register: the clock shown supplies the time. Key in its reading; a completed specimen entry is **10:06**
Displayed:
**7:56**
